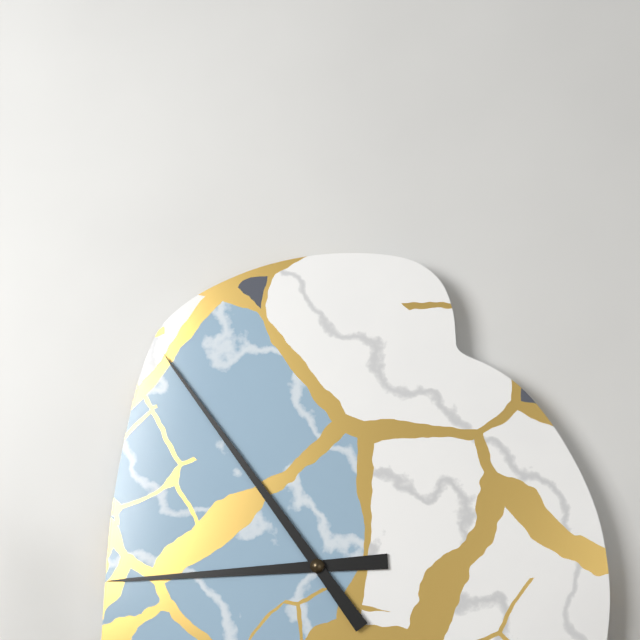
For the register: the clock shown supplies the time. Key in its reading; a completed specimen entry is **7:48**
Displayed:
**8:54**
